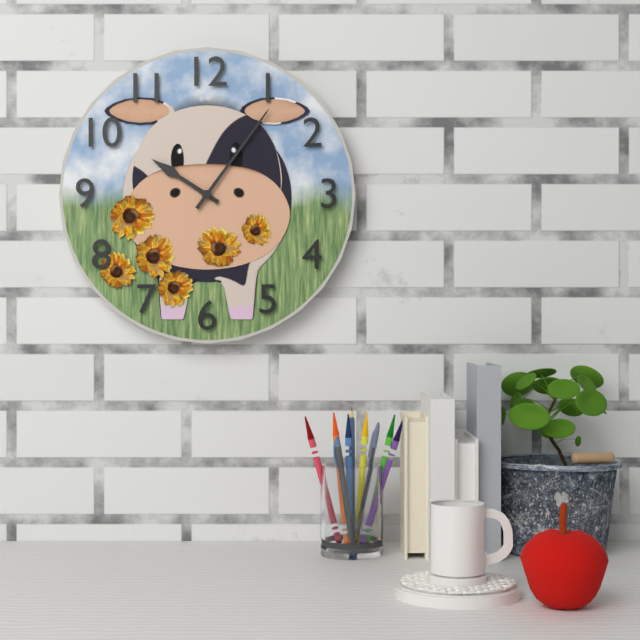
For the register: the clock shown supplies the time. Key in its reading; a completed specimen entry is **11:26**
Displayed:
**10:06**
